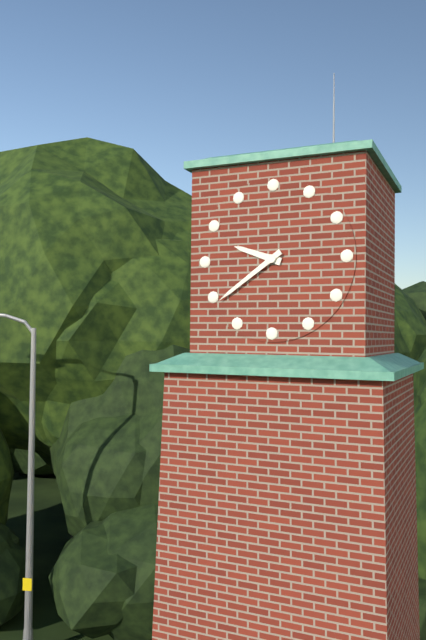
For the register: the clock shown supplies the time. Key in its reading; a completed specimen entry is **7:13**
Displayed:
**9:39**
